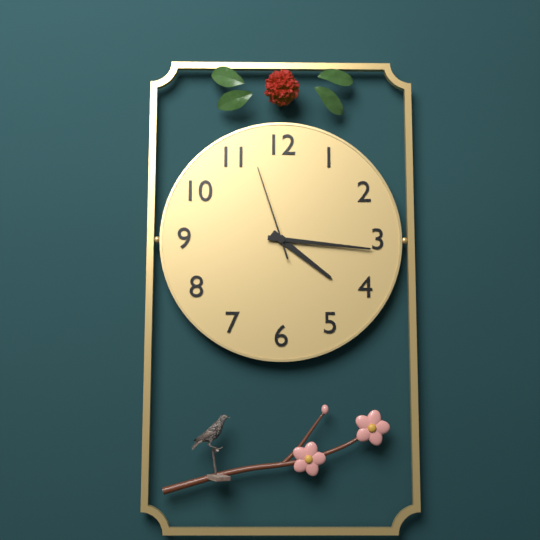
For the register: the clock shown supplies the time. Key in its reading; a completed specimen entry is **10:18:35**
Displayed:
**4:16:57**
